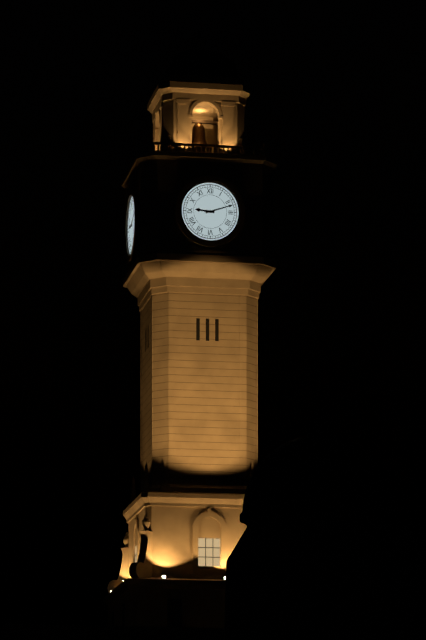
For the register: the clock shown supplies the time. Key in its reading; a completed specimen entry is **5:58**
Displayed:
**9:12**
